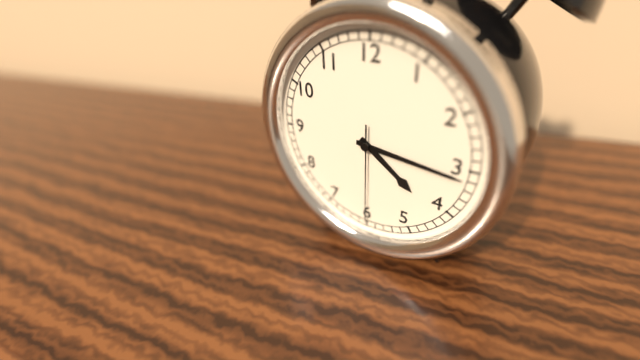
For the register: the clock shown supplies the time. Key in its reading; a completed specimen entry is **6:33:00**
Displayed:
**4:16:30**
